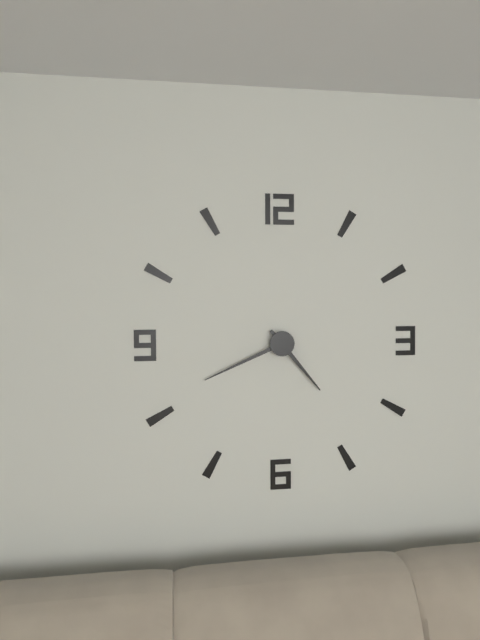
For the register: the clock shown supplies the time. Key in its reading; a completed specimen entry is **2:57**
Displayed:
**4:41**
